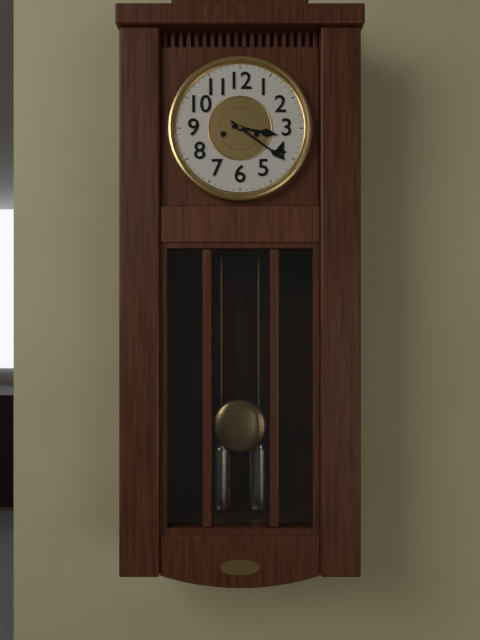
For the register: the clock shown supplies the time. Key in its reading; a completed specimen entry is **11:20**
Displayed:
**3:21**
